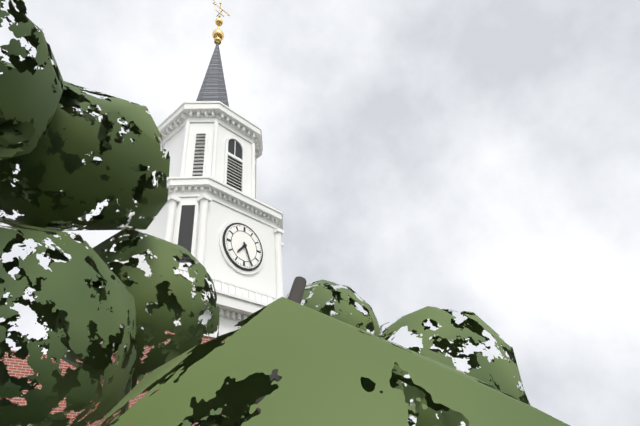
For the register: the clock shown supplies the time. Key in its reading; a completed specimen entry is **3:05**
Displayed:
**7:26**
